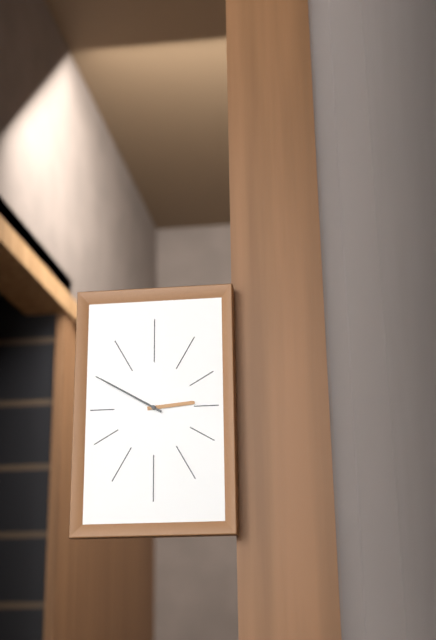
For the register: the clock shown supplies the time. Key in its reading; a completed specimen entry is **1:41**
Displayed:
**2:50**
